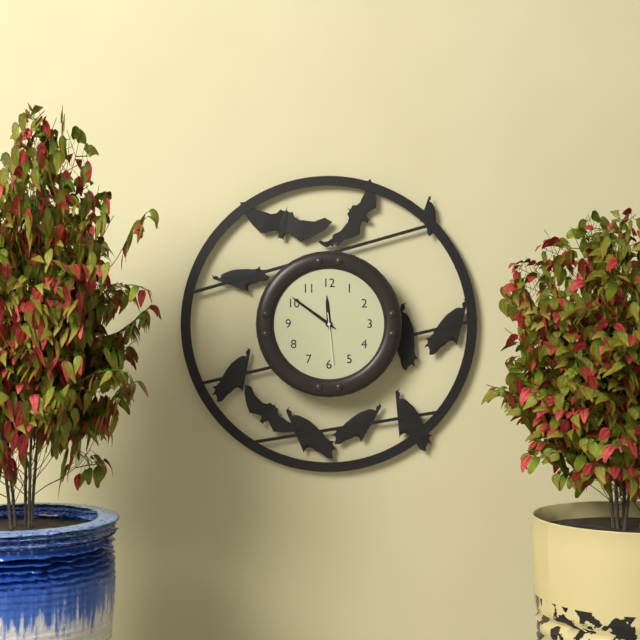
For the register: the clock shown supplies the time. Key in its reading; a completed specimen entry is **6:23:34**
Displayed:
**11:51:29**
